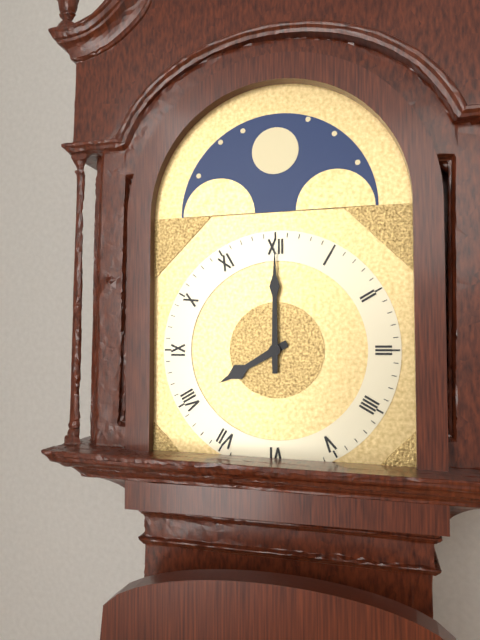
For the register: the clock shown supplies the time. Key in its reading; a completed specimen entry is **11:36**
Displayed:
**8:00**
